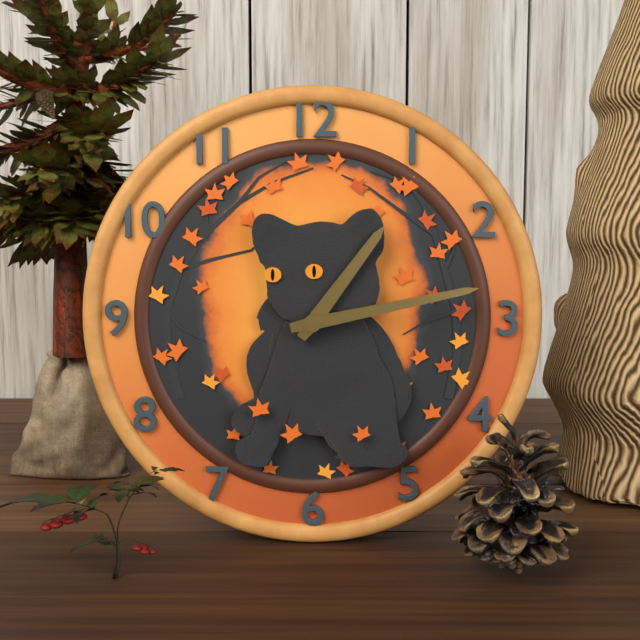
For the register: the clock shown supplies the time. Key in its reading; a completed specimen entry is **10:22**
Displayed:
**1:13**
